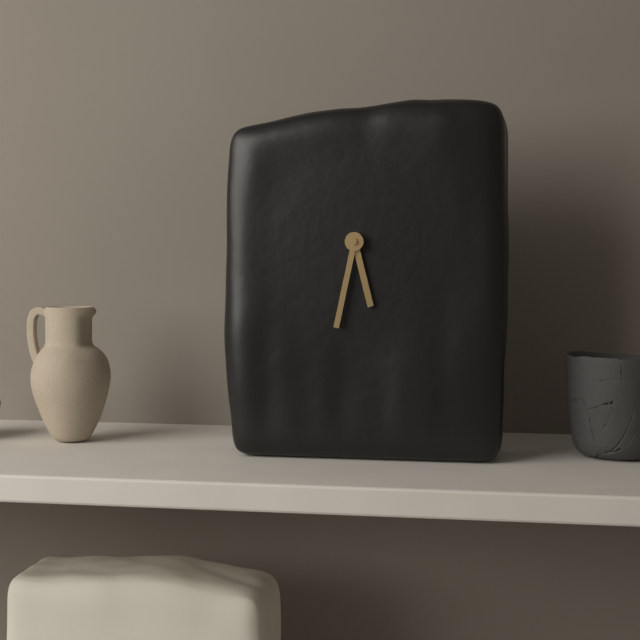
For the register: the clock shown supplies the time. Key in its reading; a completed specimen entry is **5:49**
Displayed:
**5:32**
